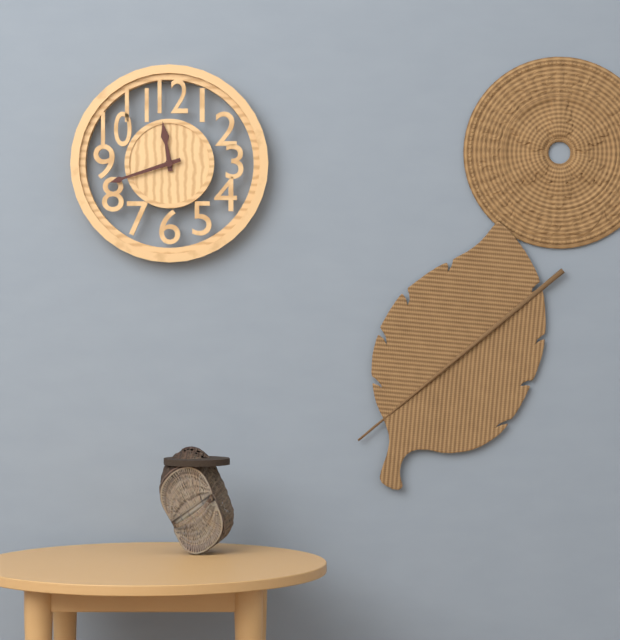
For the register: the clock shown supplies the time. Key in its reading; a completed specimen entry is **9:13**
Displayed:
**11:42**
